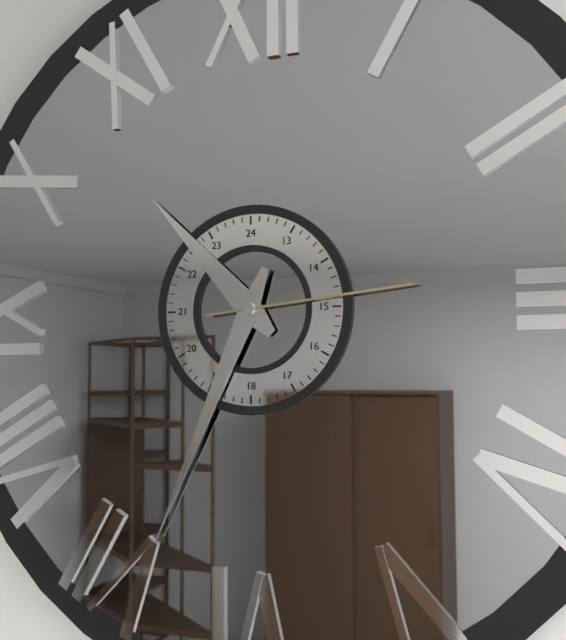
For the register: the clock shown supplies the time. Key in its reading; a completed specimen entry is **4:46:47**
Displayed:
**10:34:14**
